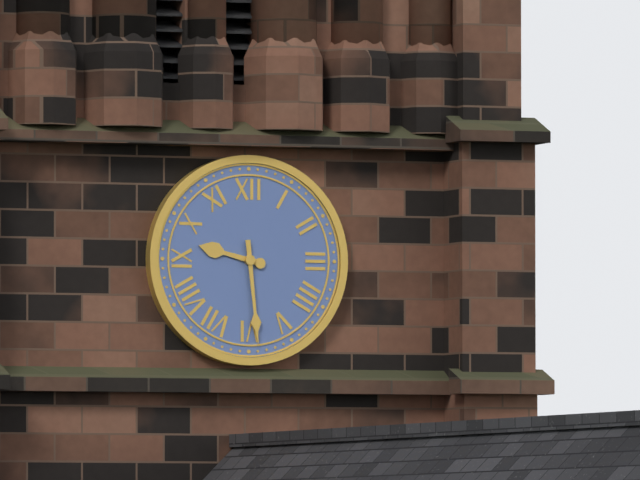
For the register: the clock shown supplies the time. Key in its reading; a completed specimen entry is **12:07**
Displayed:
**9:29**
